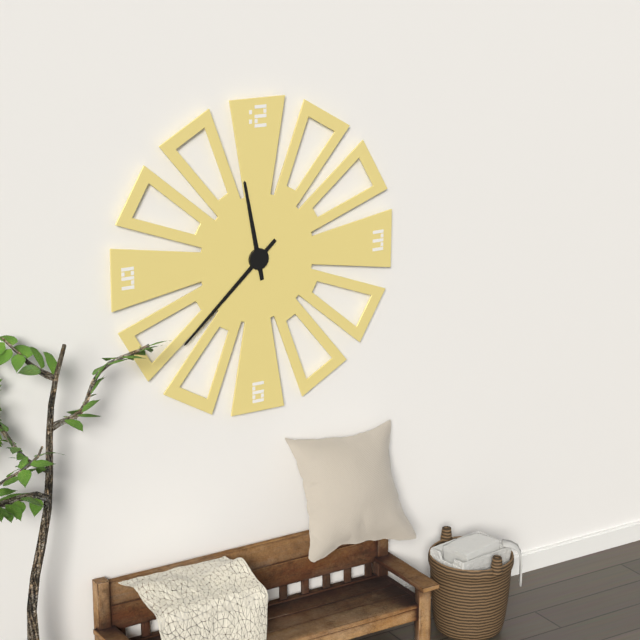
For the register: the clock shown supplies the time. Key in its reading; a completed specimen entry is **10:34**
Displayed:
**11:38**
